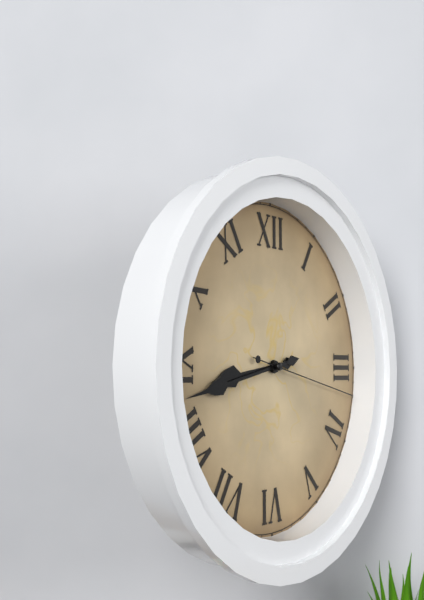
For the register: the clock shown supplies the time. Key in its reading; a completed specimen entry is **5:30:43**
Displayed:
**8:43:17**
